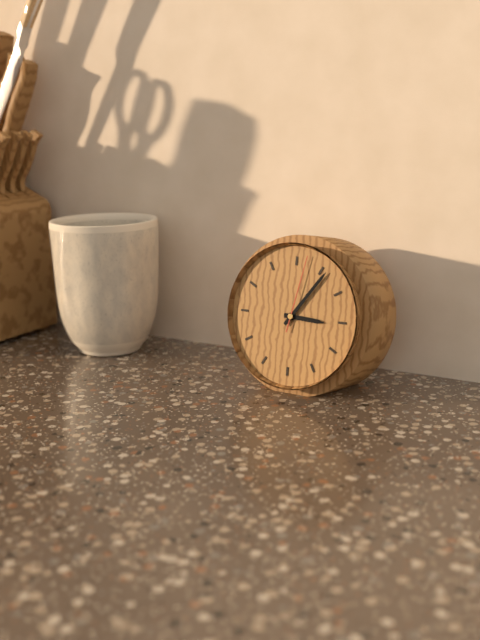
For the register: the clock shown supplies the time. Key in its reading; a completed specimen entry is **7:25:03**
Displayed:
**3:06:02**
